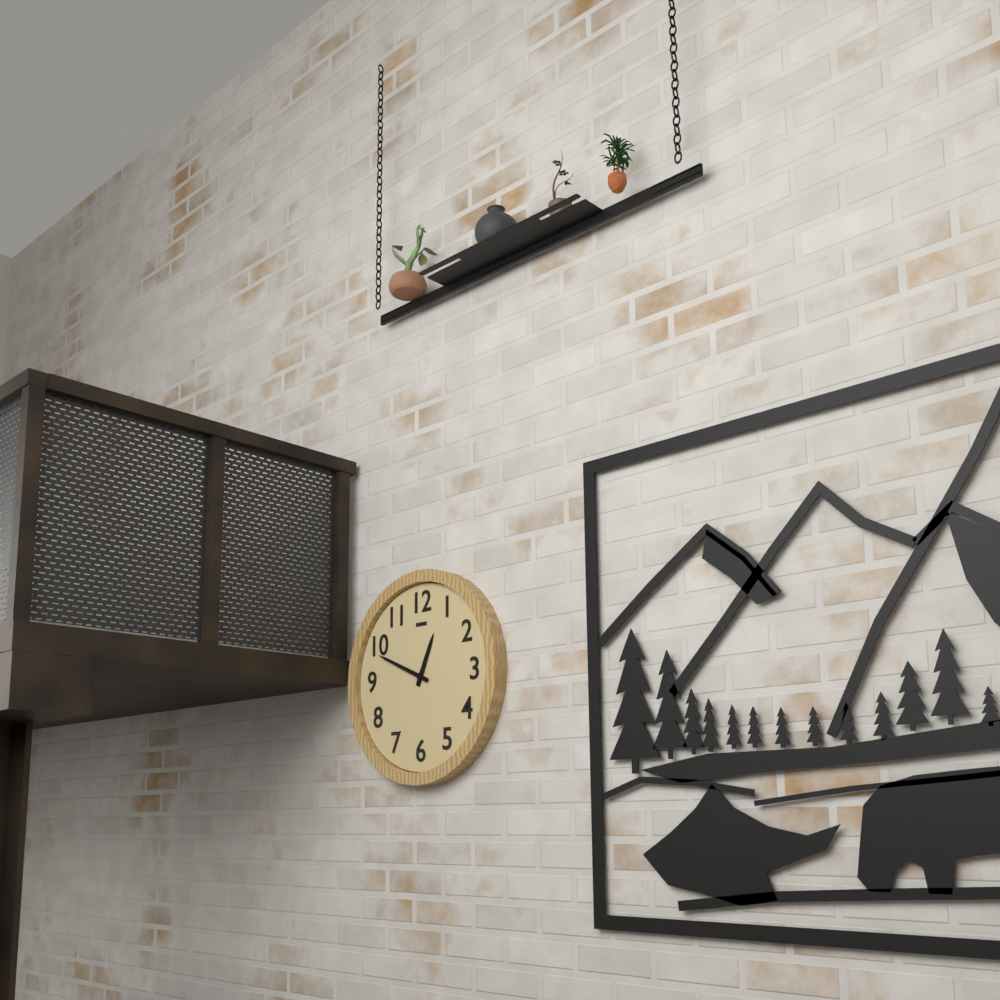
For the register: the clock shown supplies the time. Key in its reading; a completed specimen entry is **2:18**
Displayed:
**12:49**
